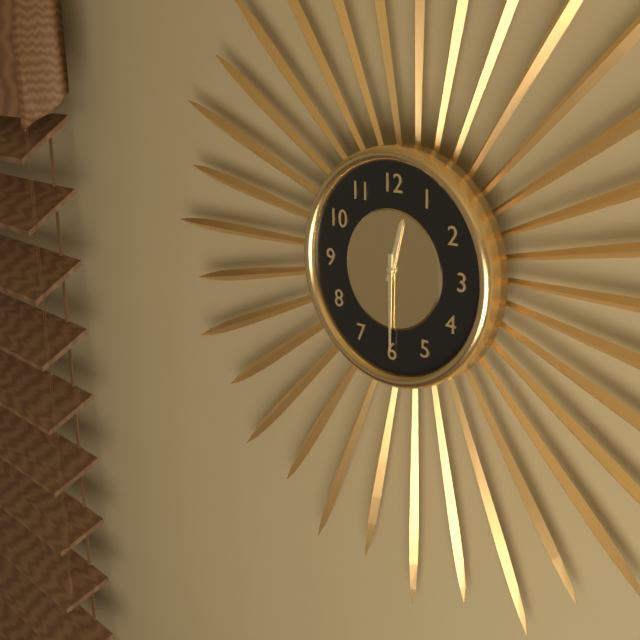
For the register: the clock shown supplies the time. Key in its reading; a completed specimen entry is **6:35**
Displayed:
**12:30**
